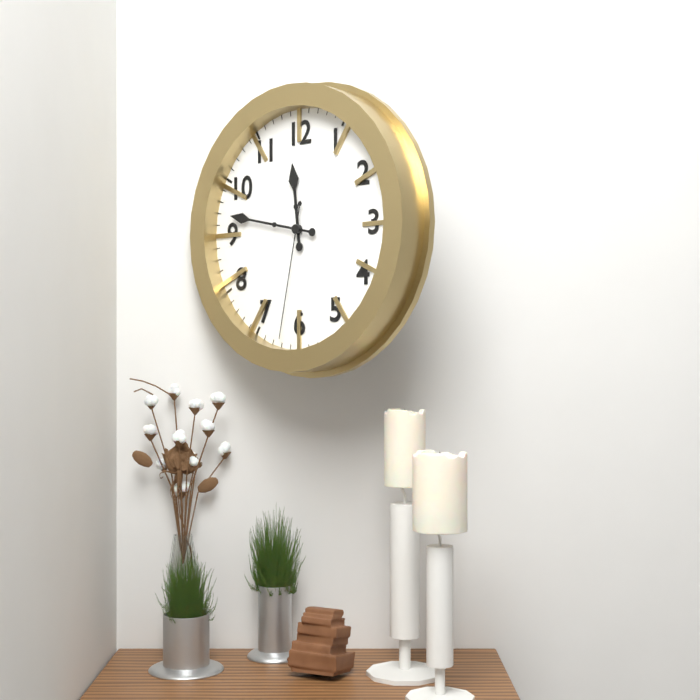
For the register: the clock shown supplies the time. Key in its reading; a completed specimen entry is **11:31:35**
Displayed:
**11:47:32**
